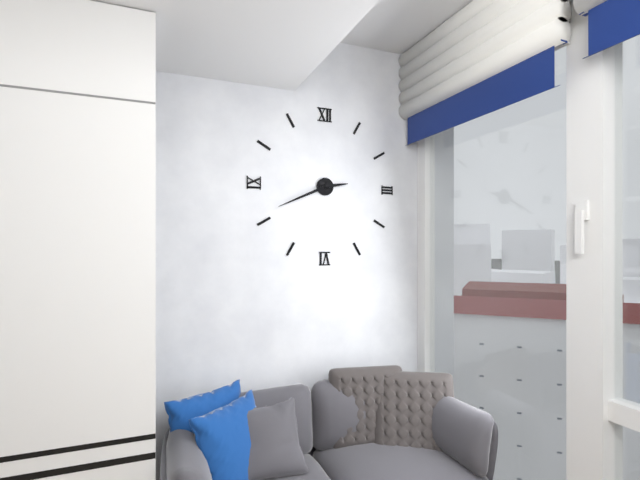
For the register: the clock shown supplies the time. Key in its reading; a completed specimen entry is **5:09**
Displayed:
**2:41**
